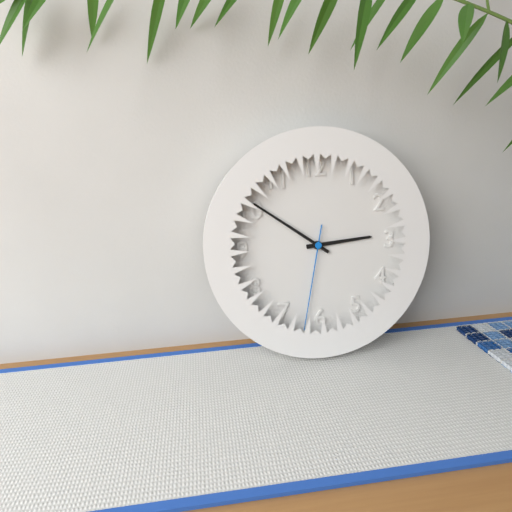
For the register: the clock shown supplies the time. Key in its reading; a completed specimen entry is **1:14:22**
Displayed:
**2:51:32**
